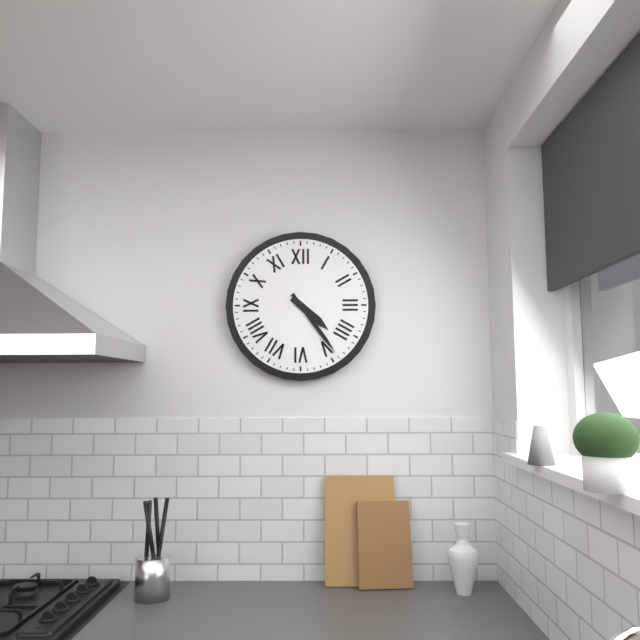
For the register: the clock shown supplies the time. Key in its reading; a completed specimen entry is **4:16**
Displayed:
**4:24**
